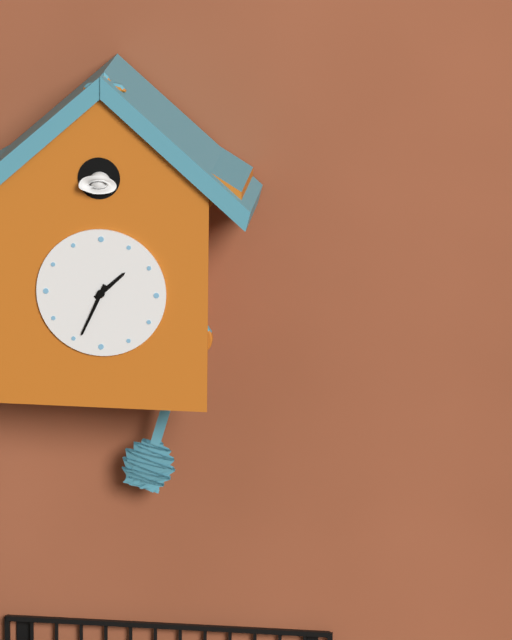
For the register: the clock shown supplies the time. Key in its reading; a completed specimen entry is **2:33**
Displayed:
**1:34**
